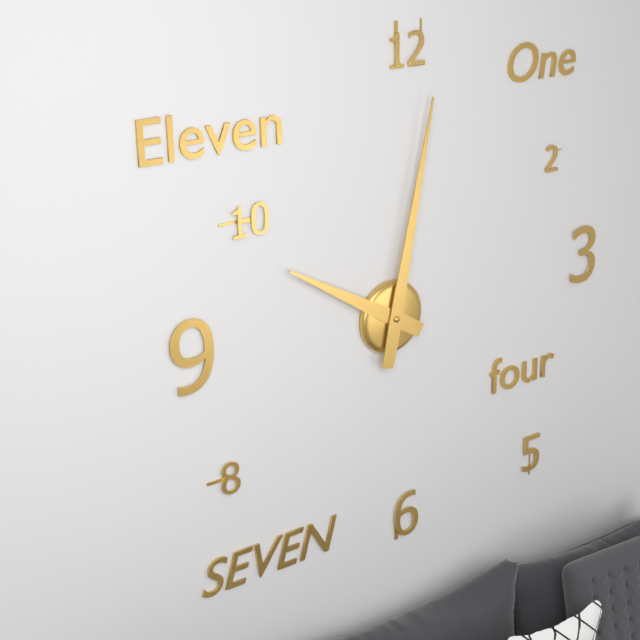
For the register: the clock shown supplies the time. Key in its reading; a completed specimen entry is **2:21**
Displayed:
**10:02**
